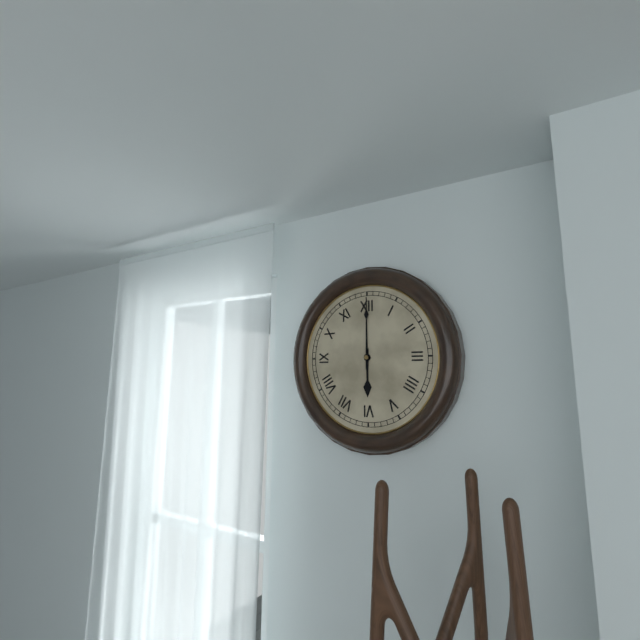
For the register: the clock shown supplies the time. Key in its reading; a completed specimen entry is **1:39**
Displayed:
**6:00**
